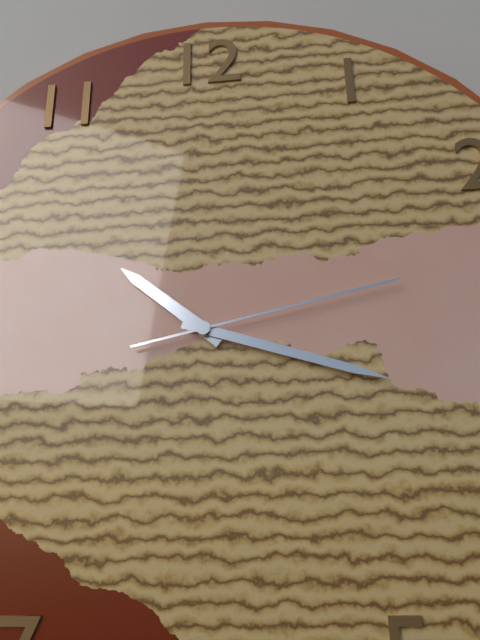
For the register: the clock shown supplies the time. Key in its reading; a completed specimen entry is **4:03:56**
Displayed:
**10:18:13**
